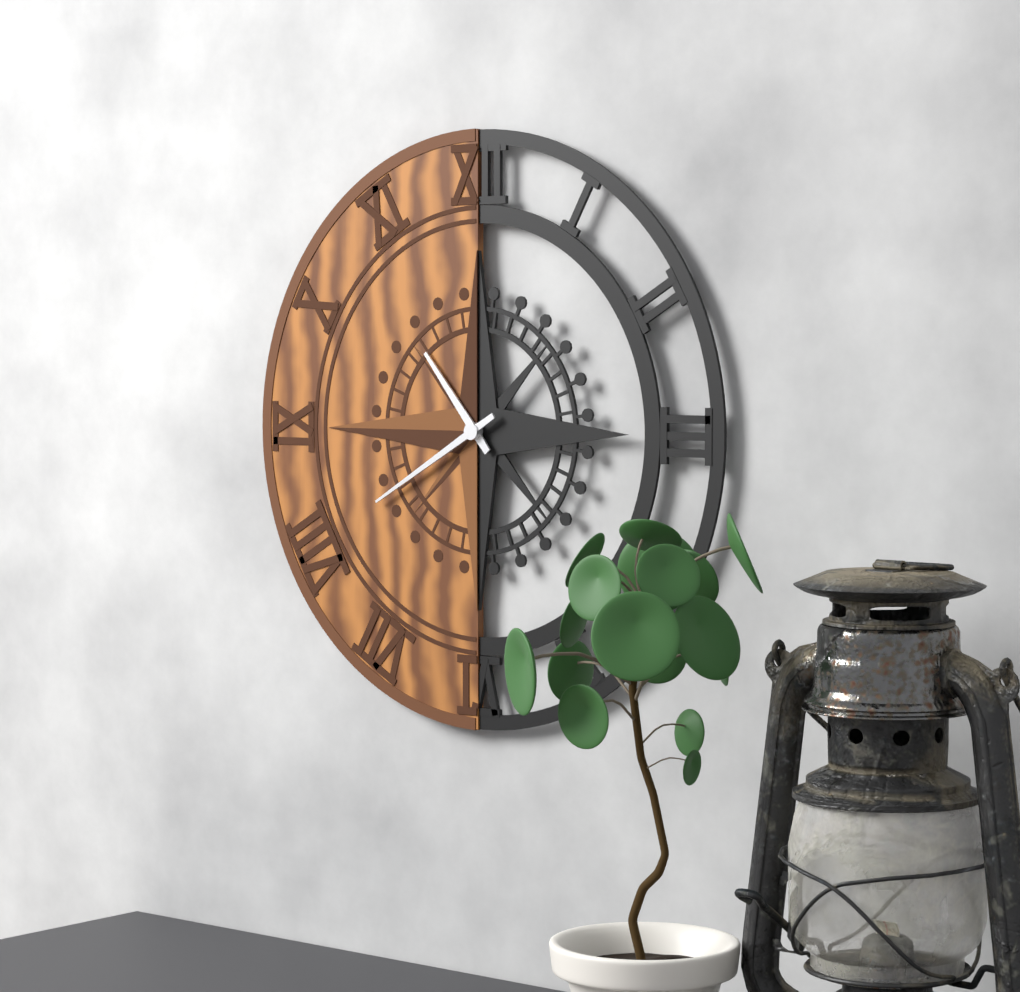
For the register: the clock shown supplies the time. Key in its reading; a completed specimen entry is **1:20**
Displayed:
**10:40**
